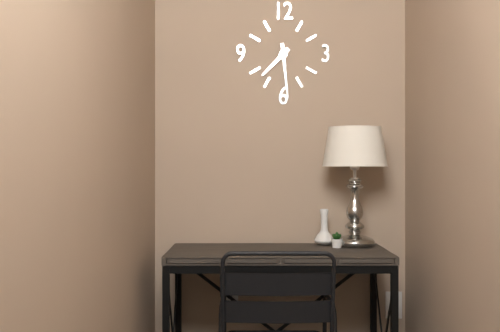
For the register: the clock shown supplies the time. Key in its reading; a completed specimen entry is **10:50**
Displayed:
**7:29**
